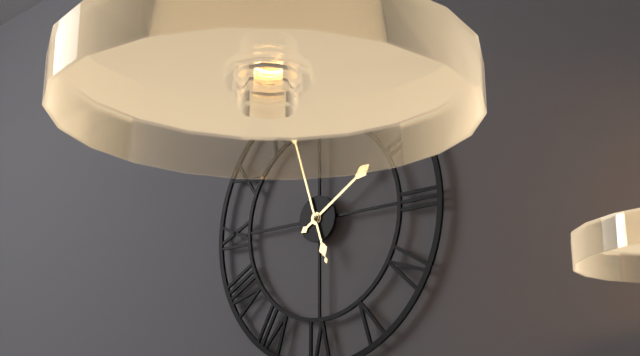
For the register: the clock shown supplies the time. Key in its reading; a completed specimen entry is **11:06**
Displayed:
**1:57**
